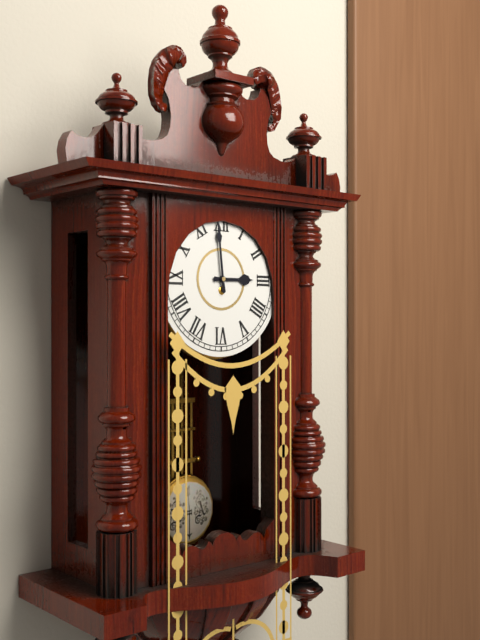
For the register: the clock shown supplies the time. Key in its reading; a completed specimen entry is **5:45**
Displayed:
**2:59**
